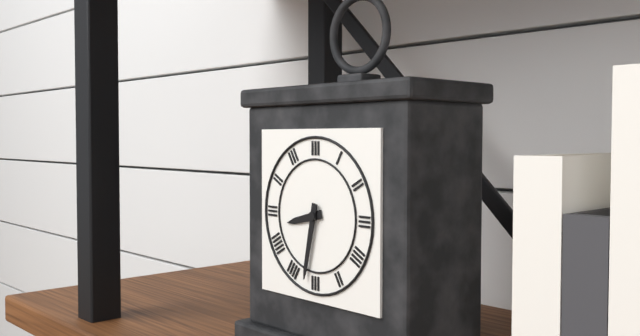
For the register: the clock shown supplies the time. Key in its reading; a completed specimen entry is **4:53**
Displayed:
**8:32**
